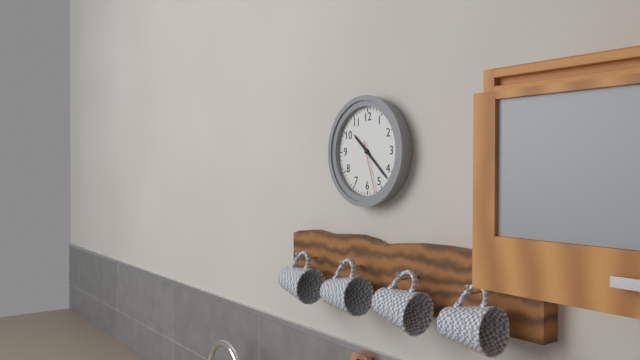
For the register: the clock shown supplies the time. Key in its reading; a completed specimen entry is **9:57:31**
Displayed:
**10:22:27**
